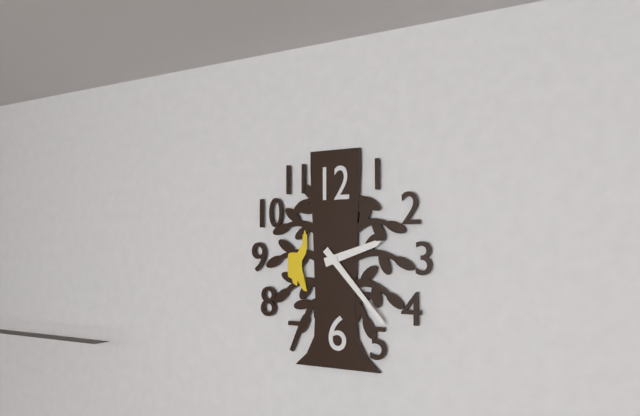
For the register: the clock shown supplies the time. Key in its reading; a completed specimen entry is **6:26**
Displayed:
**2:23**
